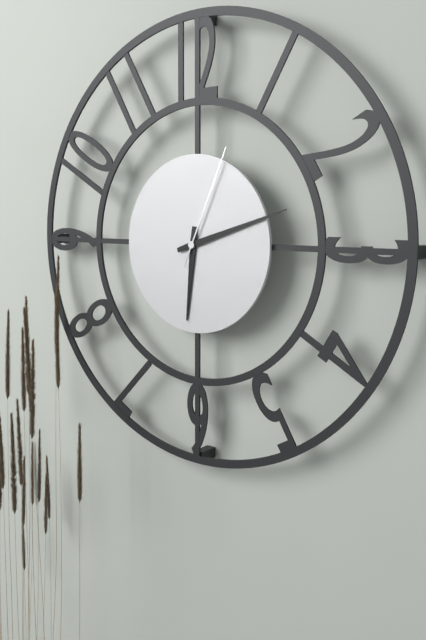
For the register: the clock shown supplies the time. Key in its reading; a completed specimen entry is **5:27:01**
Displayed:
**6:12:04**
